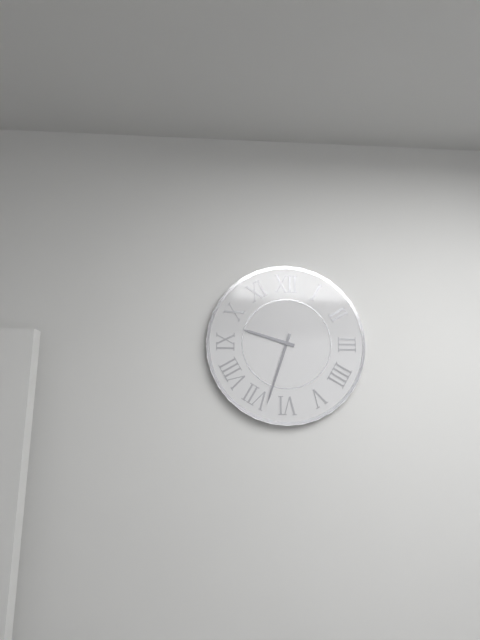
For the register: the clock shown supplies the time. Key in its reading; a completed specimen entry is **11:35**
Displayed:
**9:33**
